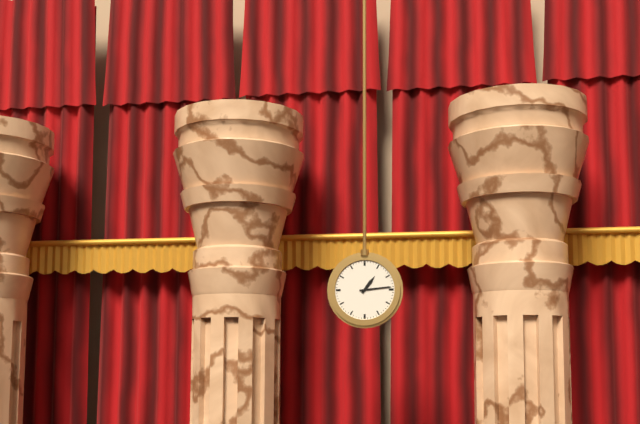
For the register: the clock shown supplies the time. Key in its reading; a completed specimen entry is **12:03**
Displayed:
**1:14**
